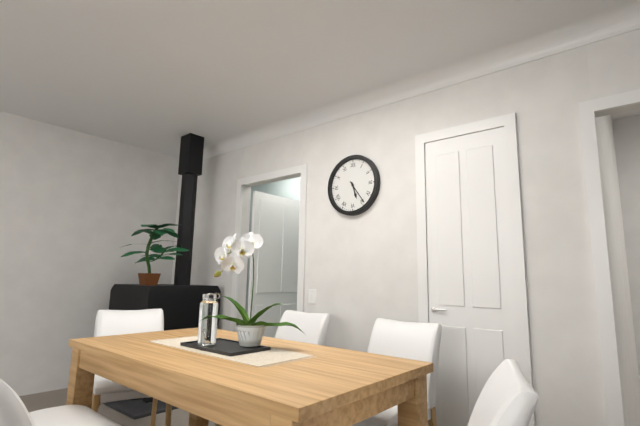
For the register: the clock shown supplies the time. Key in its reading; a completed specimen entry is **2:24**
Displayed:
**5:24**
